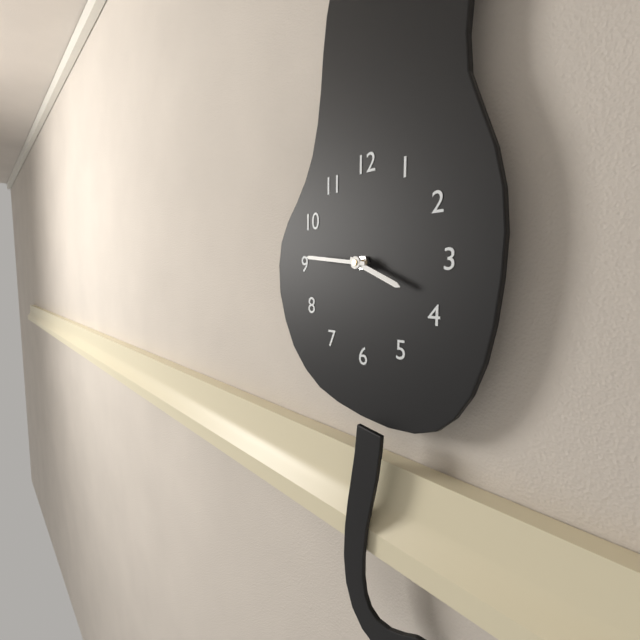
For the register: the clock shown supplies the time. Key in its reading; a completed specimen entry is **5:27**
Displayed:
**3:46**
